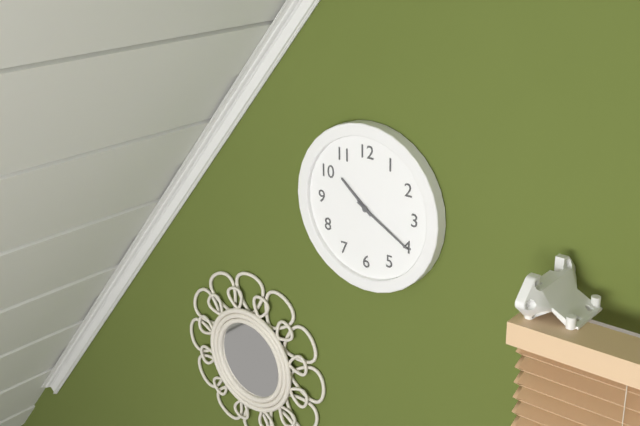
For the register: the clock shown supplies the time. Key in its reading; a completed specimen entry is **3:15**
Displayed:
**10:20**
